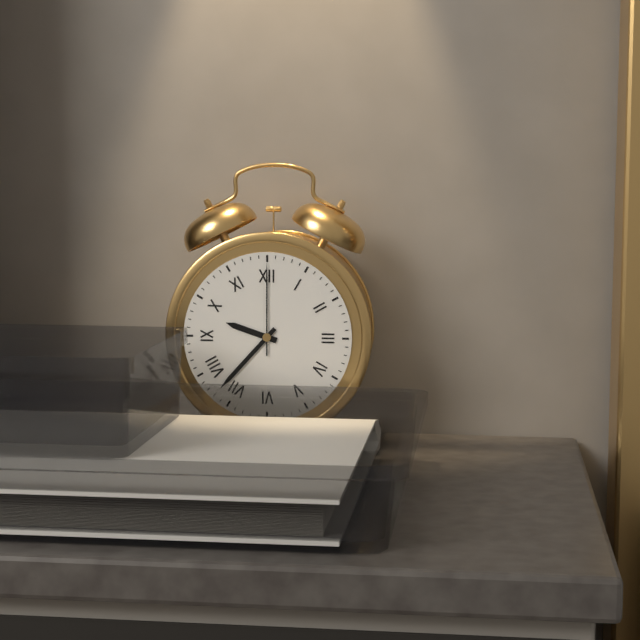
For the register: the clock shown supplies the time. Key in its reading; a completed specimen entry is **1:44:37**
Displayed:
**9:37:00**
